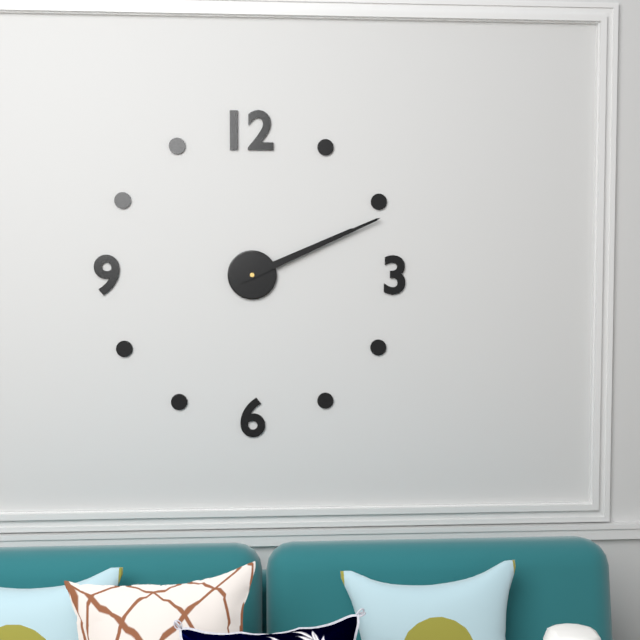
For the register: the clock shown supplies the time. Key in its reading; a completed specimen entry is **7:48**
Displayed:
**2:11**
